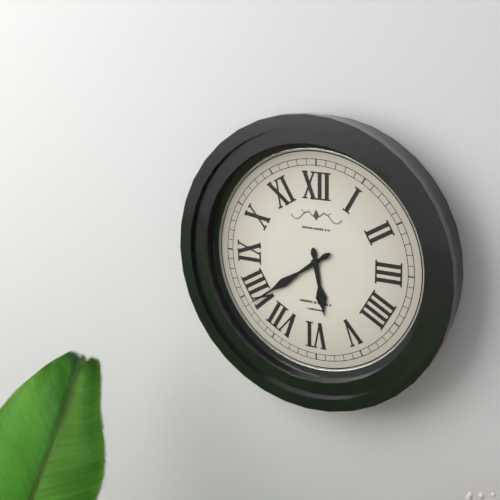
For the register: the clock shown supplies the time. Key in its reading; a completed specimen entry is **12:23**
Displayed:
**5:39**
